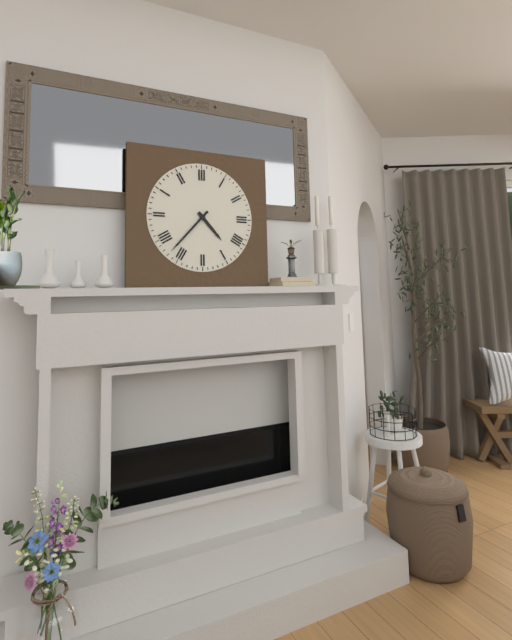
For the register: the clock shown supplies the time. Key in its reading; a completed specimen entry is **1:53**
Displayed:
**4:37**
